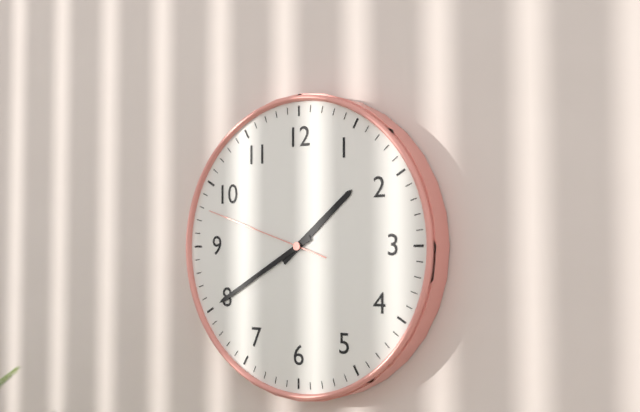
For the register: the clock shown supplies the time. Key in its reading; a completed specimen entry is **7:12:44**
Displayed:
**1:40:48**
